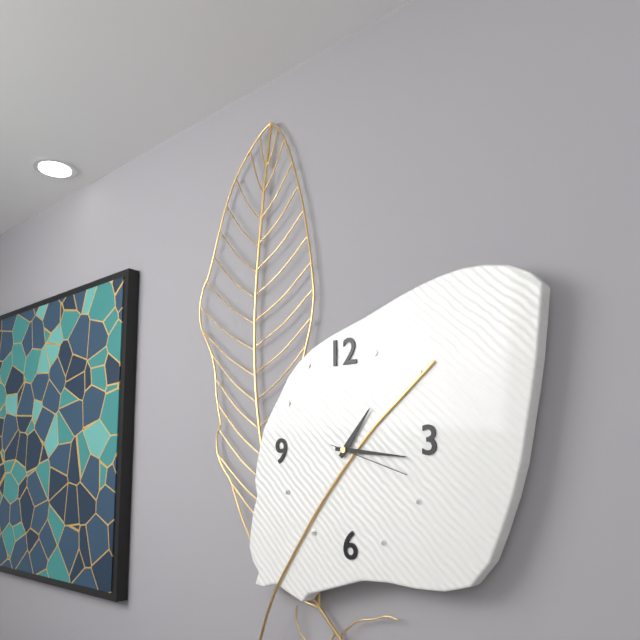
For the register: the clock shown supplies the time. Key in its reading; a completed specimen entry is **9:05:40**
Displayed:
**1:16:18**
